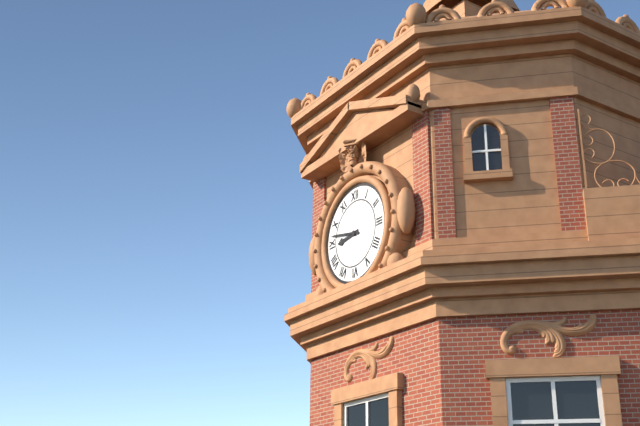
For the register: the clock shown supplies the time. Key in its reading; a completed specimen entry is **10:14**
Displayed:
**8:47**
